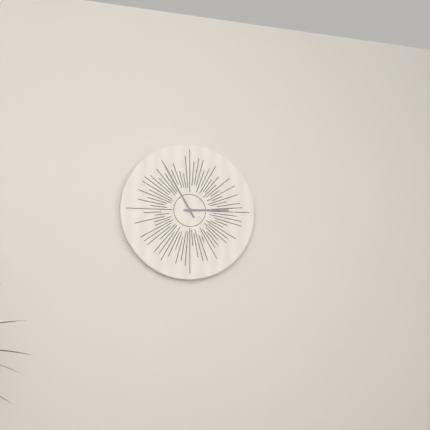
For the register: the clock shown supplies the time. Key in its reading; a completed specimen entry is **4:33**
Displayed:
**2:55**
